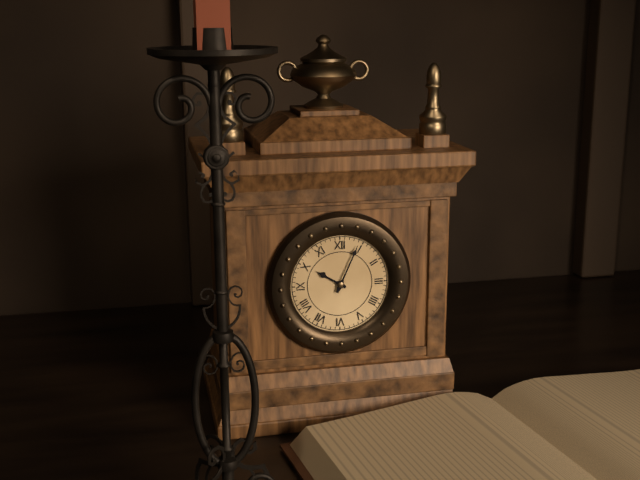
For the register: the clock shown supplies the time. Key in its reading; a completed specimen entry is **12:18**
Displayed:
**10:04**
